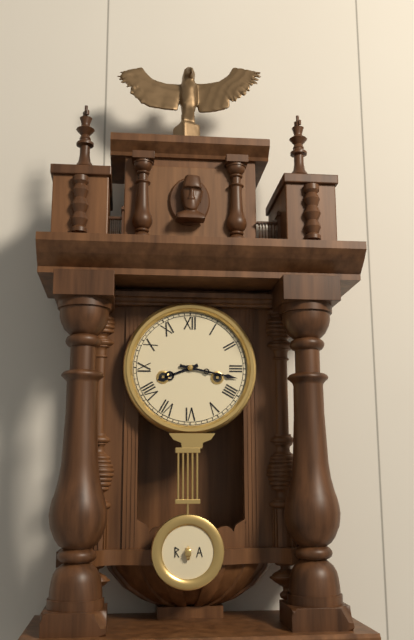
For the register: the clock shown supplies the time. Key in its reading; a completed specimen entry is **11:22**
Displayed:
**8:17**
